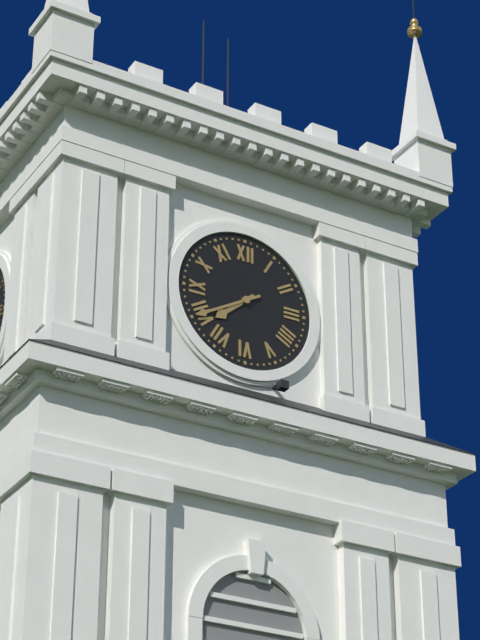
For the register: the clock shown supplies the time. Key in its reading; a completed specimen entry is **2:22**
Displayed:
**7:40**
